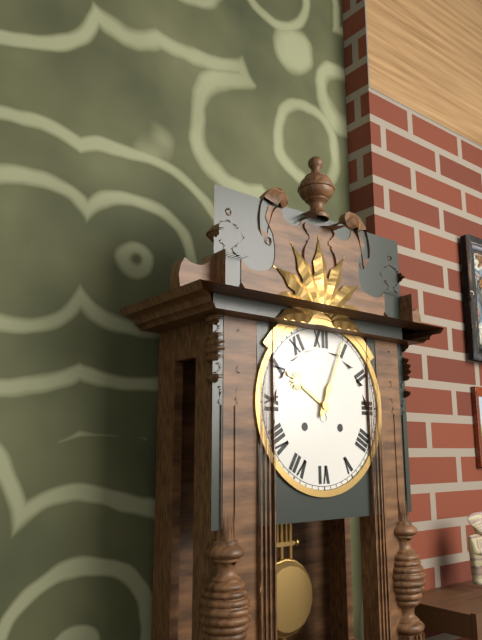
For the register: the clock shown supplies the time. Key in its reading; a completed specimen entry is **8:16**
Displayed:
**10:04**
